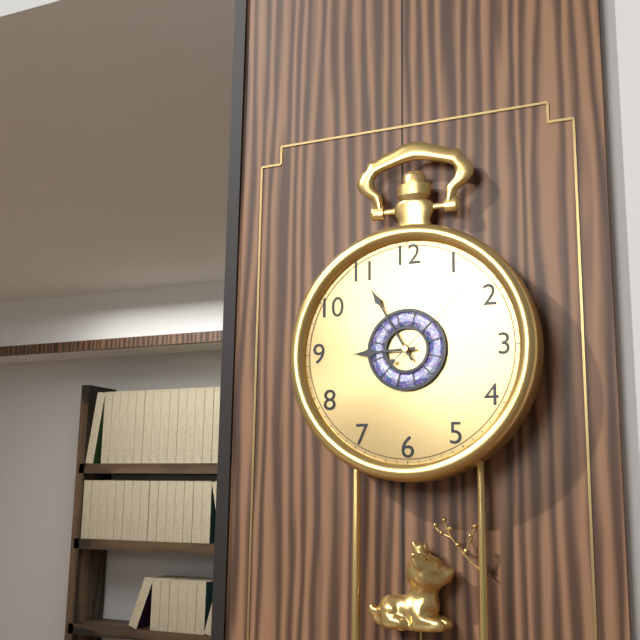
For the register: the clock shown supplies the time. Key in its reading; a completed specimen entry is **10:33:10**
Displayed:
**8:55:08**
